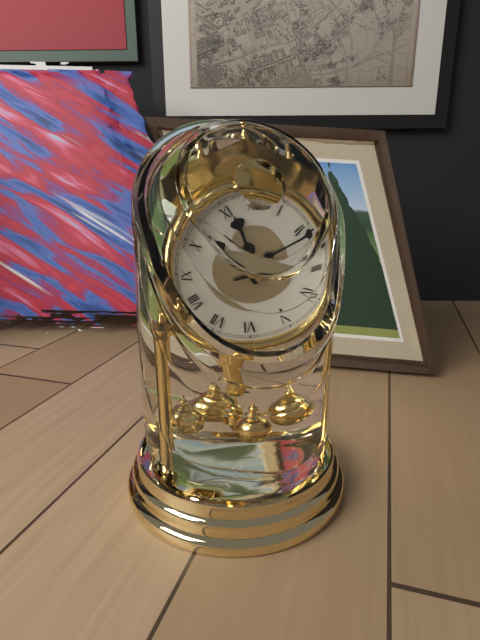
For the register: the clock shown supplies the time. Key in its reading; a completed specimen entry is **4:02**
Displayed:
**11:11**
